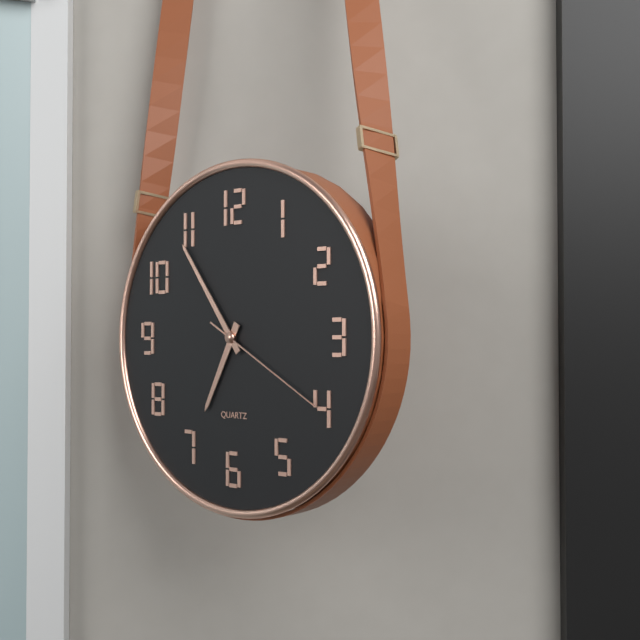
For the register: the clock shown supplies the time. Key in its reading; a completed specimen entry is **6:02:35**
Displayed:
**6:54:20**
